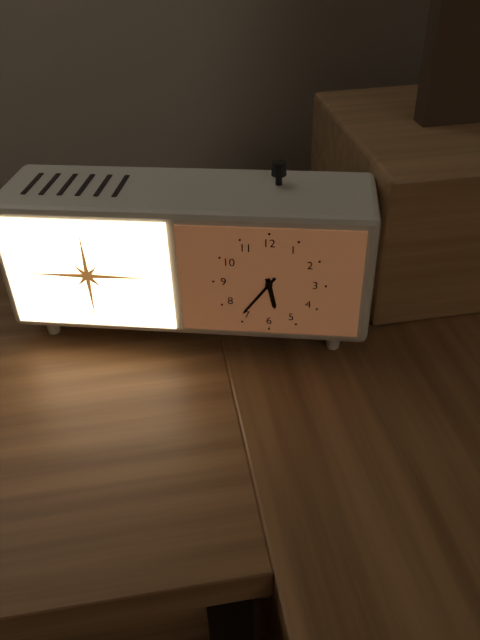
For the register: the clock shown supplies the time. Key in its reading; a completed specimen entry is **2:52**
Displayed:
**5:36**
